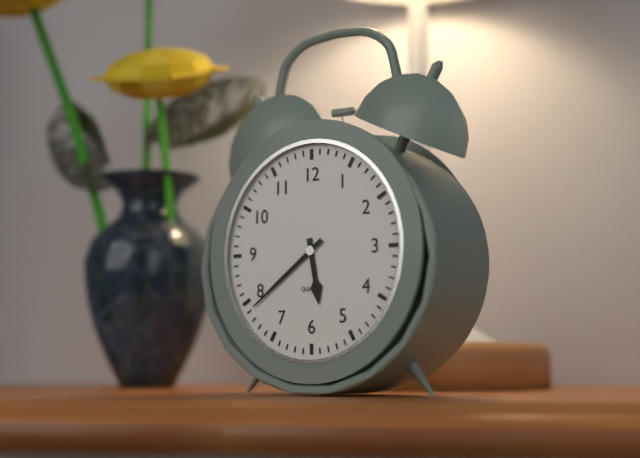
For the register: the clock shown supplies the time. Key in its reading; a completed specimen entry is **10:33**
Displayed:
**5:39**
